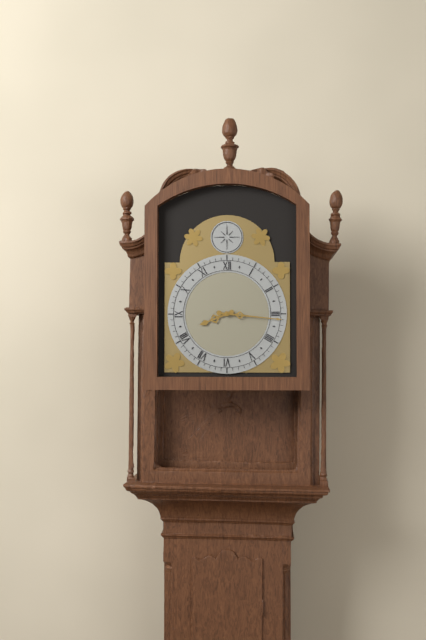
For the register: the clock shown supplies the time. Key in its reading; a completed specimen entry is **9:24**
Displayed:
**8:16**
